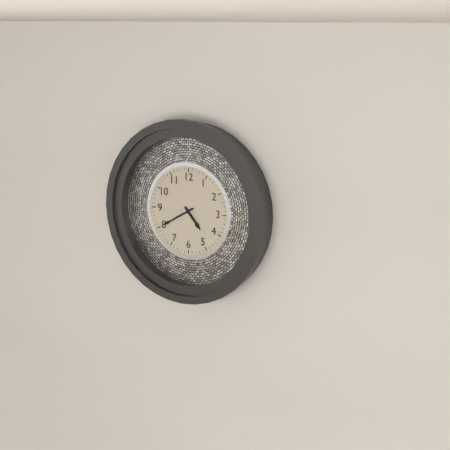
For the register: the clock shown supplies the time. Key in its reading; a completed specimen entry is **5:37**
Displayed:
**4:40**
